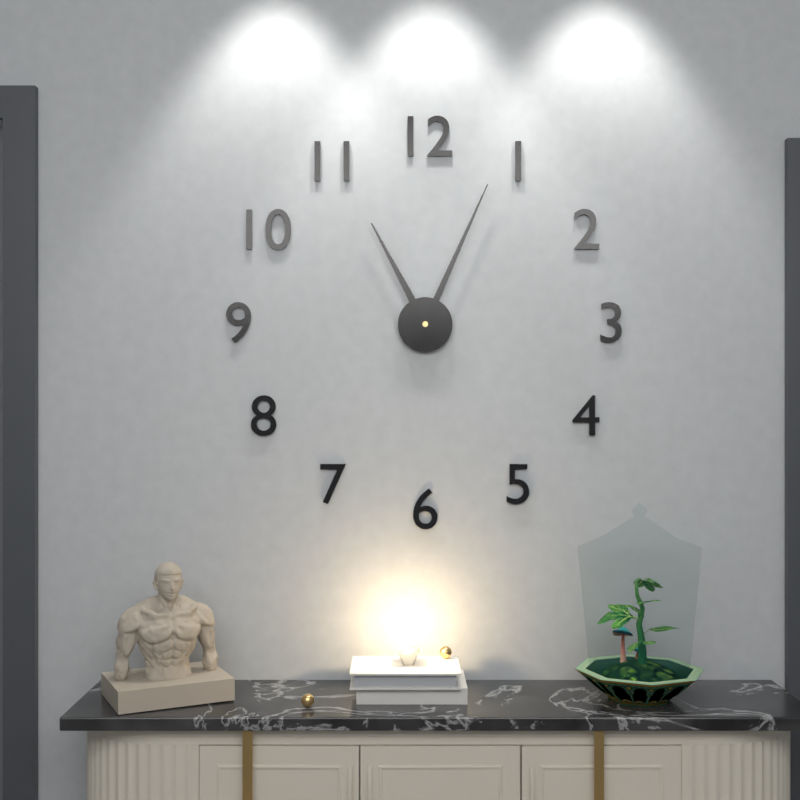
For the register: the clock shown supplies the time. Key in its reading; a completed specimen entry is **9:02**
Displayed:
**11:04**
